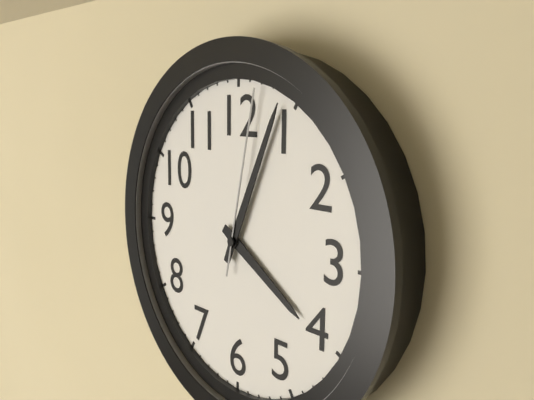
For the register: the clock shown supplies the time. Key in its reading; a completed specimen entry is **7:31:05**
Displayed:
**4:04:02**
